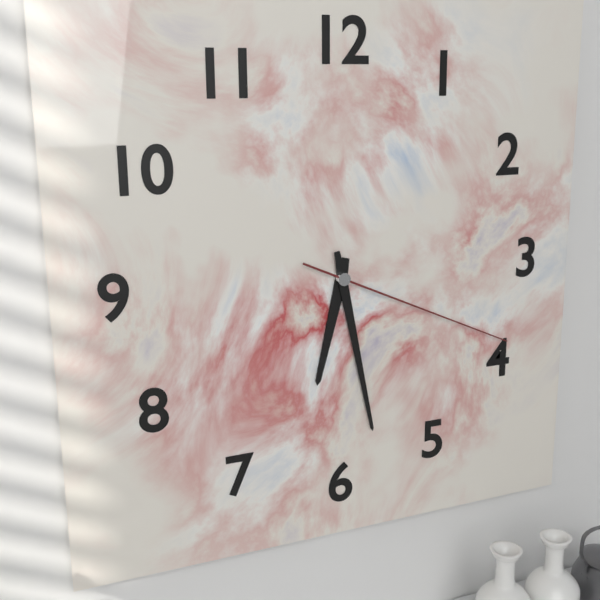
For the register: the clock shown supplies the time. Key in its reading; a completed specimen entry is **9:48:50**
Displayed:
**6:28:19**
